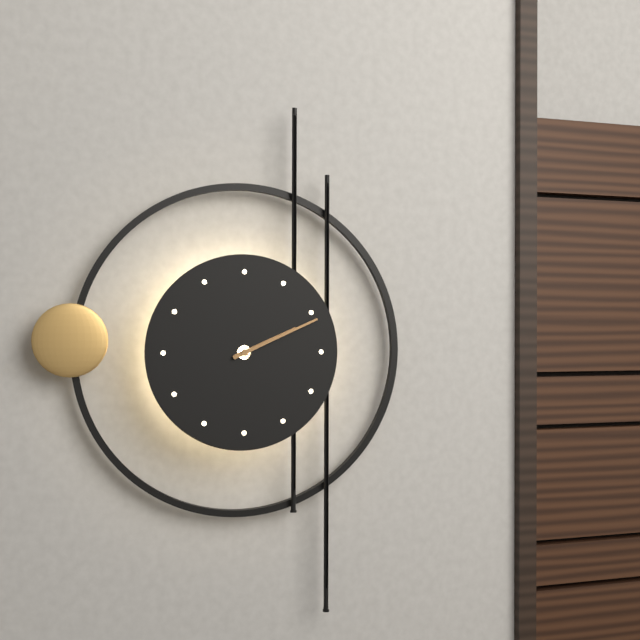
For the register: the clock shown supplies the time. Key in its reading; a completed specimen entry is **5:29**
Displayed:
**2:11**
